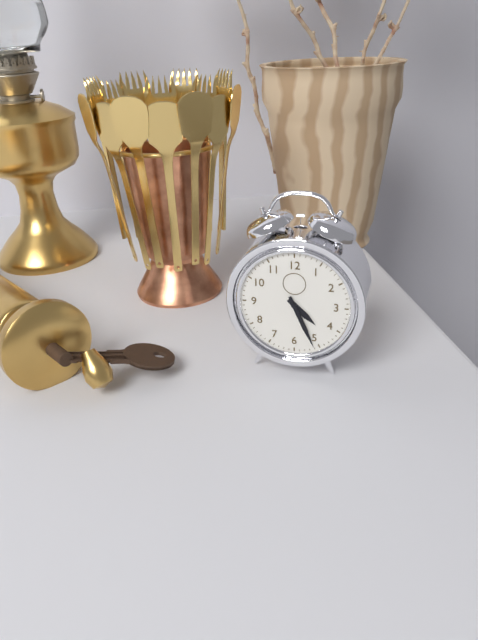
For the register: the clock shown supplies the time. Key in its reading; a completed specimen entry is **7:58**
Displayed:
**4:26**
